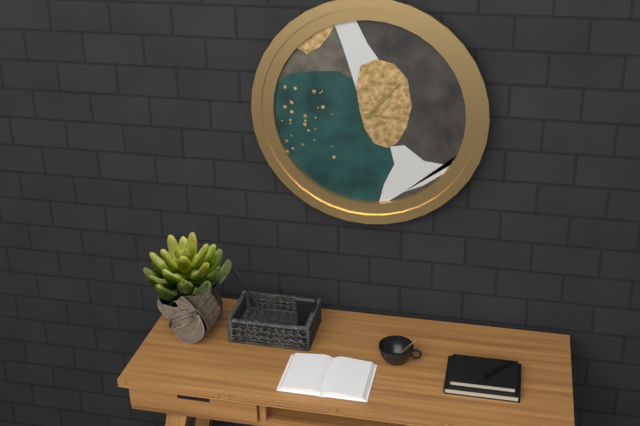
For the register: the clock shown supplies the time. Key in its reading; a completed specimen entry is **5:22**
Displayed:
**3:07**
